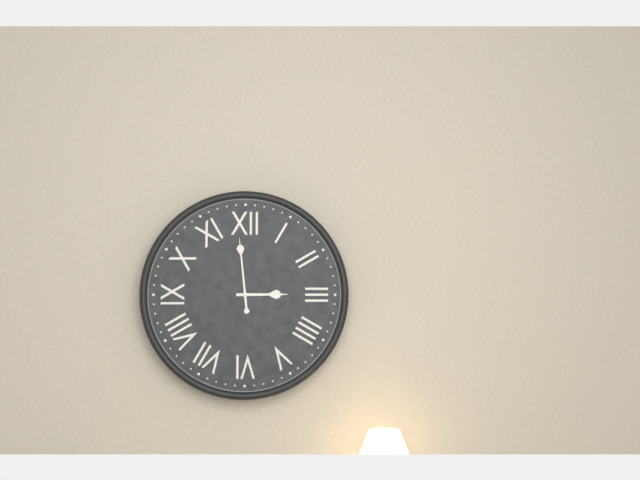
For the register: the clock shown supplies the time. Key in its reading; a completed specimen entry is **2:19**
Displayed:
**2:59**
